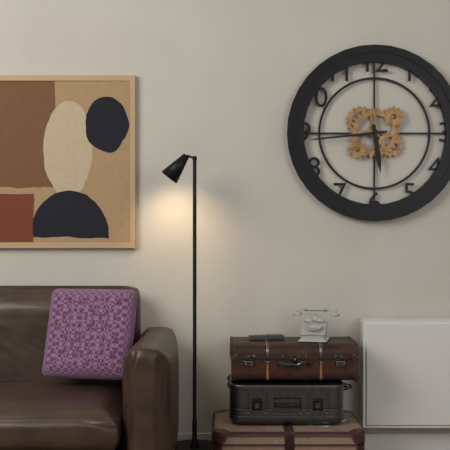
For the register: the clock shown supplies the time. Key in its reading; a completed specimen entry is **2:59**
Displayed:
**5:44**
